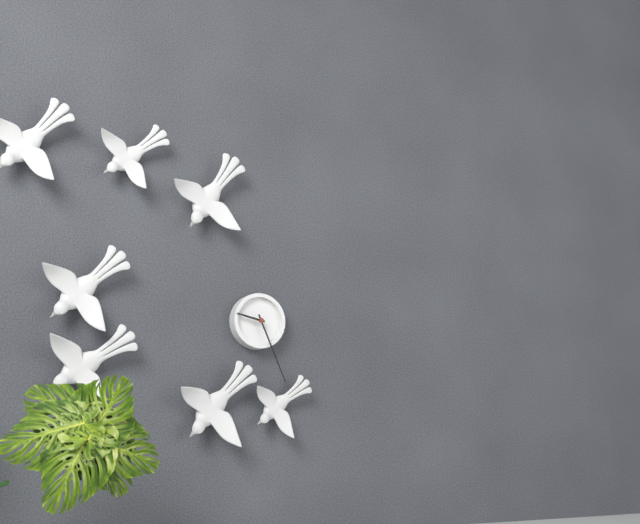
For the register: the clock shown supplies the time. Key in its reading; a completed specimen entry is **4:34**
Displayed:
**9:26**
